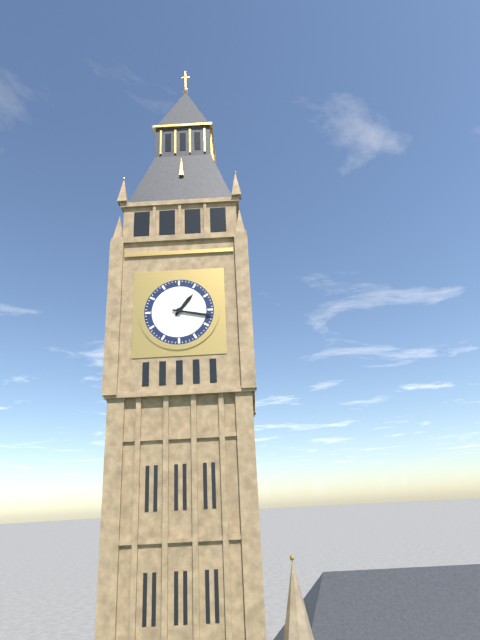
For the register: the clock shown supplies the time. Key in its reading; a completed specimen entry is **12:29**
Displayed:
**1:17**
